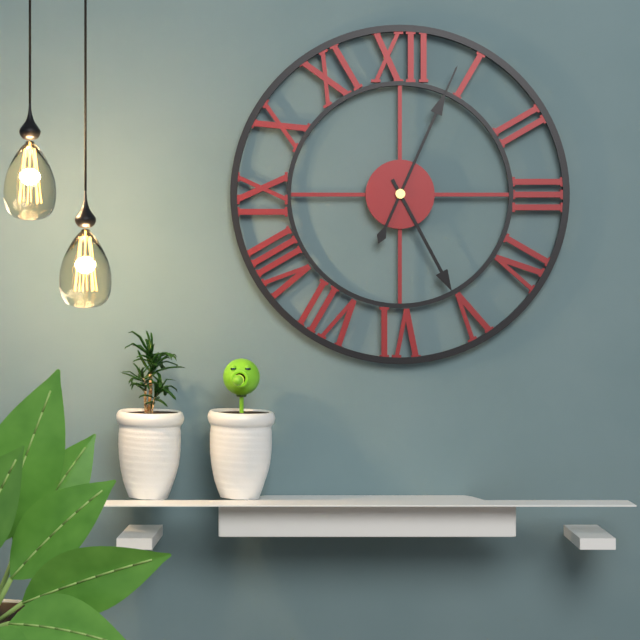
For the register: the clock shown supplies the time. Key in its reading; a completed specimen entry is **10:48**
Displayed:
**5:04**
